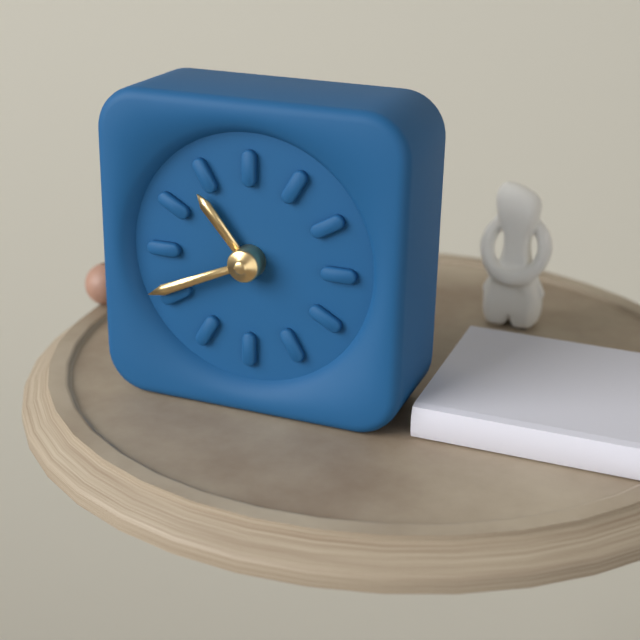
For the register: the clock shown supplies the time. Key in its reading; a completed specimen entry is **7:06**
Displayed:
**10:41**
